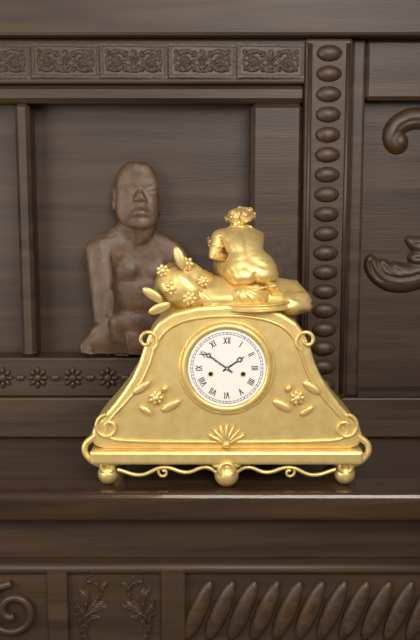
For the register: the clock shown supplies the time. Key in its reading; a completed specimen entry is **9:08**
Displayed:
**1:51**
